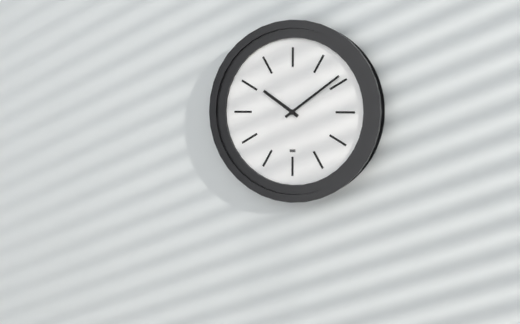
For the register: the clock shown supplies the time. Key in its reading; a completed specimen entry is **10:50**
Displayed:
**10:09**
